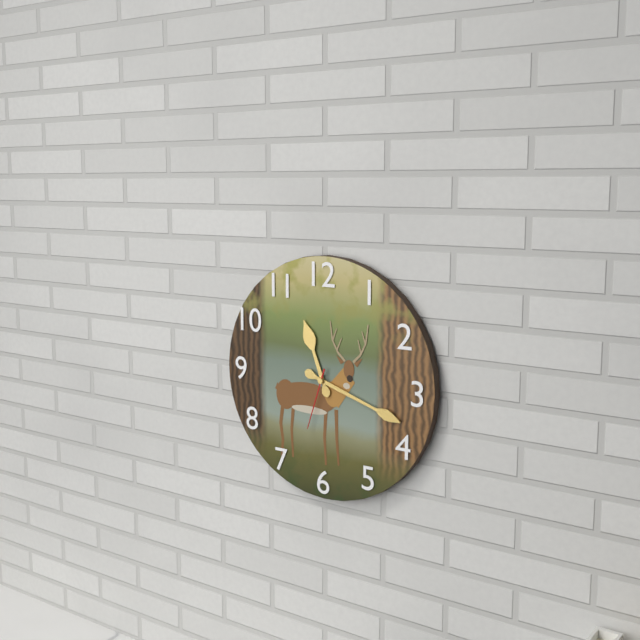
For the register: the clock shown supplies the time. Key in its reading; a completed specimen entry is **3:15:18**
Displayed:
**11:18:33**
